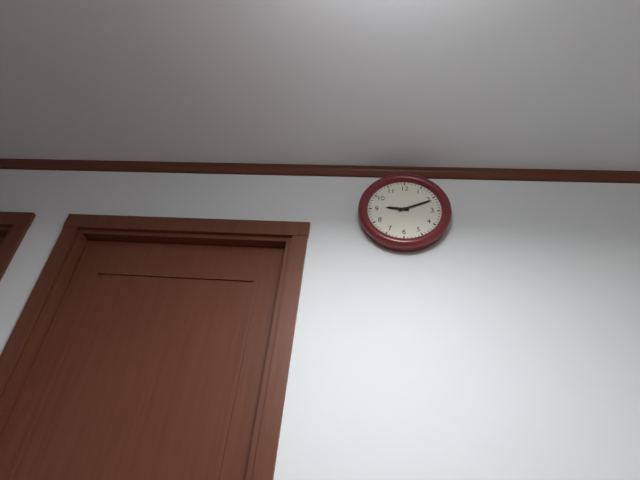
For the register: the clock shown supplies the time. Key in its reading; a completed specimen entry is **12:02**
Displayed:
**9:11**
